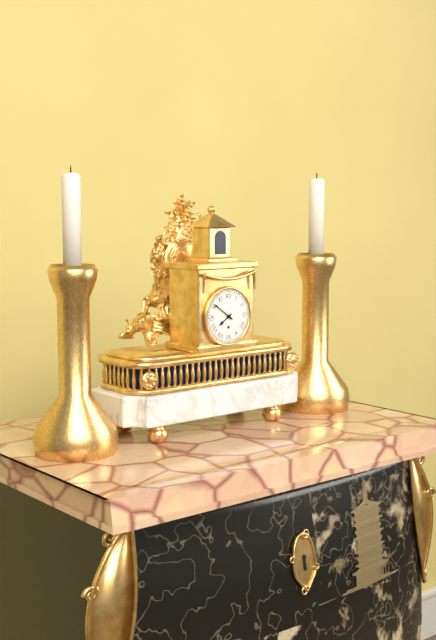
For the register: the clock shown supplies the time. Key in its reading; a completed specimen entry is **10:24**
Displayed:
**7:51**
